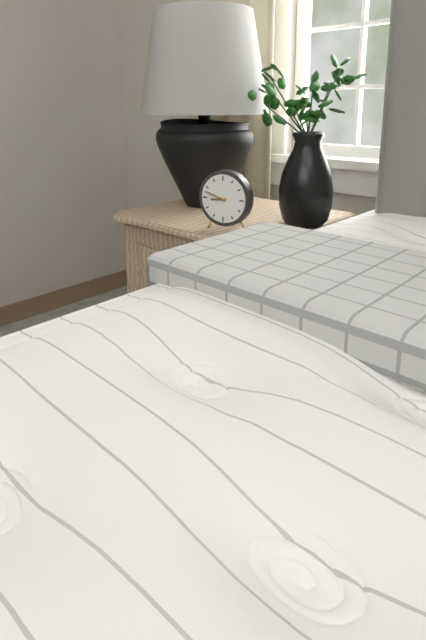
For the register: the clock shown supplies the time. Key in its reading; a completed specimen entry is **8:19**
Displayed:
**8:48**
